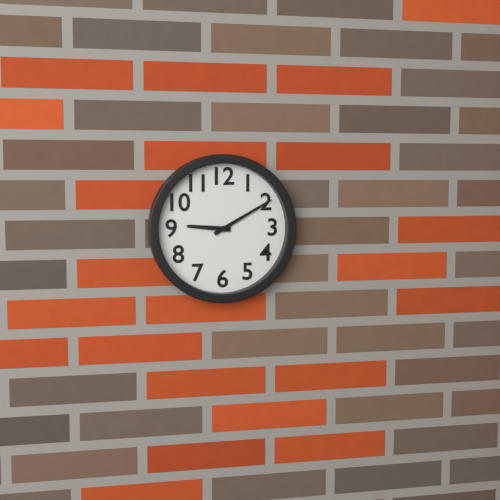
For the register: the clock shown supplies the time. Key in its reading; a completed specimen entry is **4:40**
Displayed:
**9:10**
